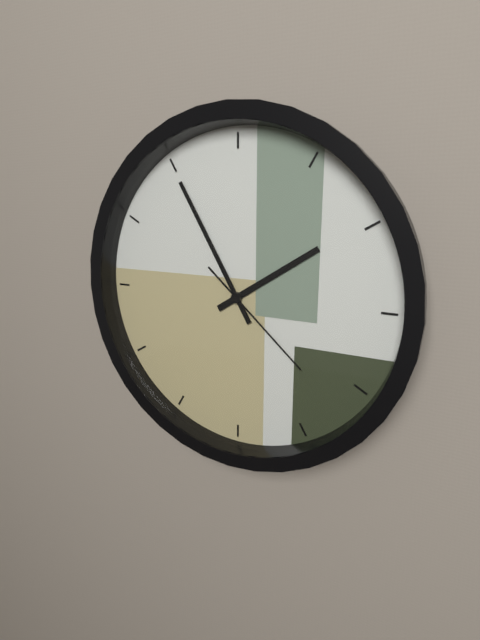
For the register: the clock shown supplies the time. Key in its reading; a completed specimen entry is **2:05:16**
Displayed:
**1:55:22**
